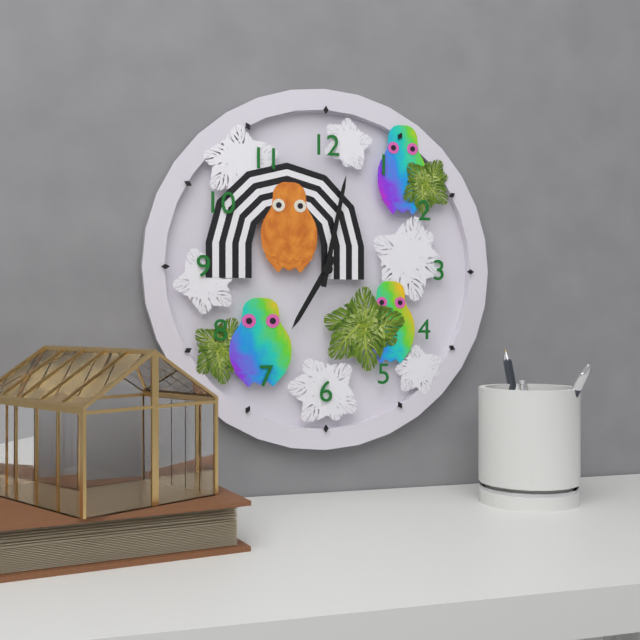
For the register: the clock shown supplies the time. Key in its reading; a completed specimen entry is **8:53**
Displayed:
**7:02**
